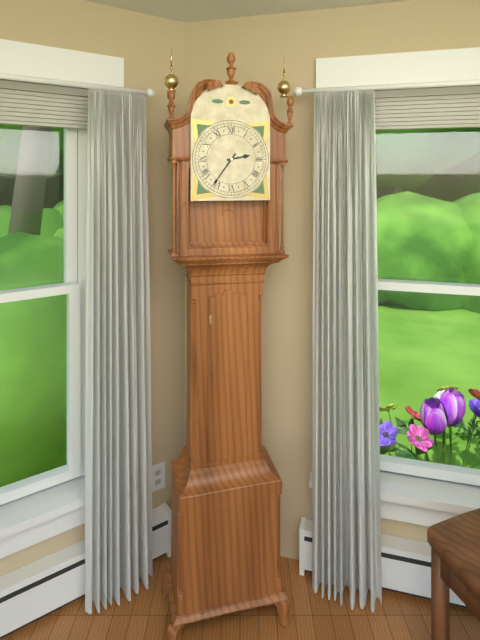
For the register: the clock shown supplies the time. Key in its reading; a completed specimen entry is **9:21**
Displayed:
**2:36**
